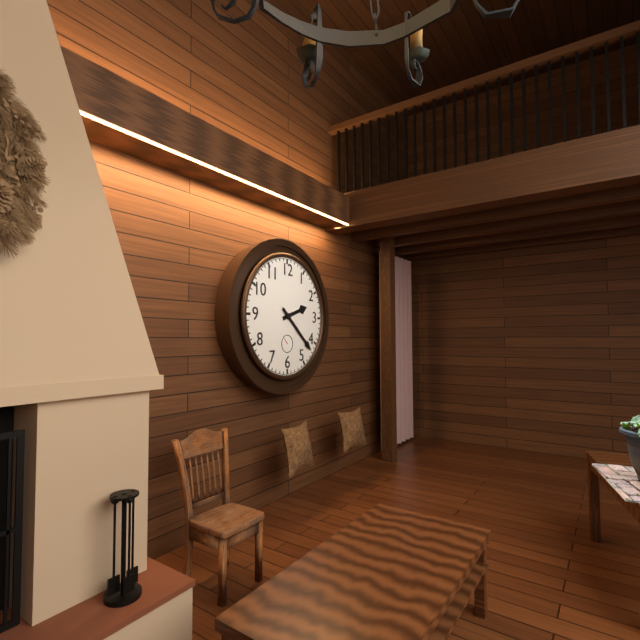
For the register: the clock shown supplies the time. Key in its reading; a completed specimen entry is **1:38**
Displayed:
**2:22**
